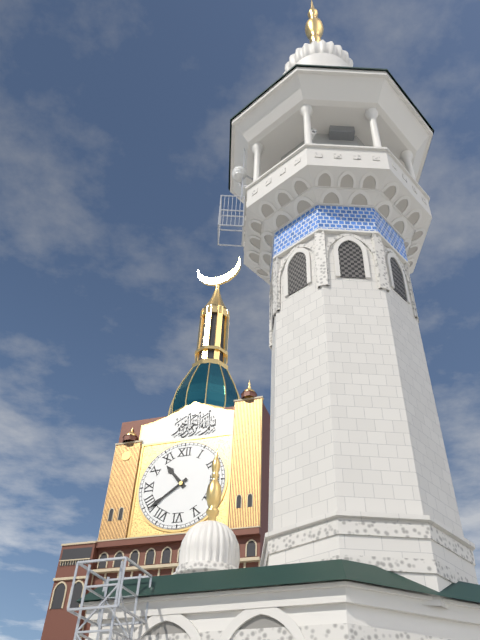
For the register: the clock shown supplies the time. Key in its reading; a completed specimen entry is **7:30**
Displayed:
**10:39**
